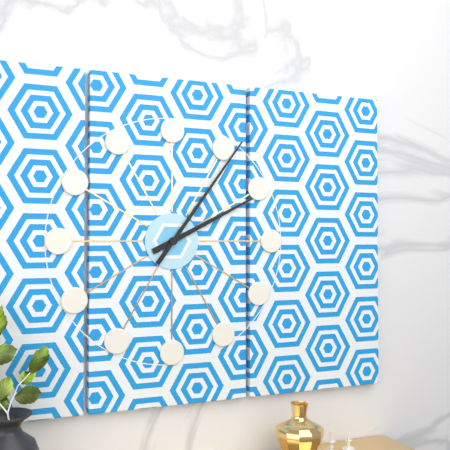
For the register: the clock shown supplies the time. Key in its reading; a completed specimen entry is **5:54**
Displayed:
**2:06**
